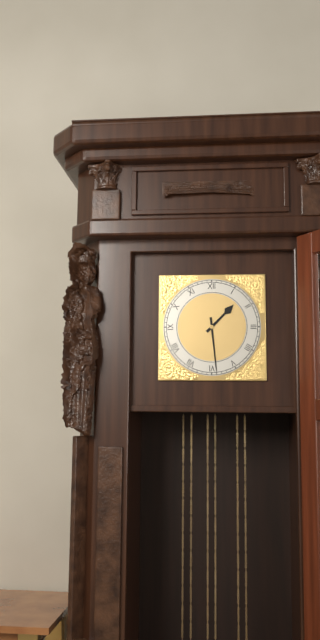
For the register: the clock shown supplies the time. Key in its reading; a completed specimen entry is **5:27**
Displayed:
**1:29**
